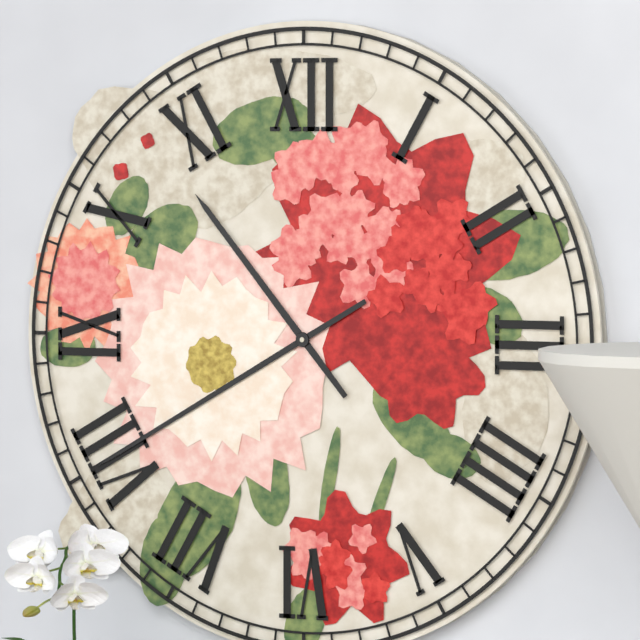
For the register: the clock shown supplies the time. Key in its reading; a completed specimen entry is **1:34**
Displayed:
**10:40**
